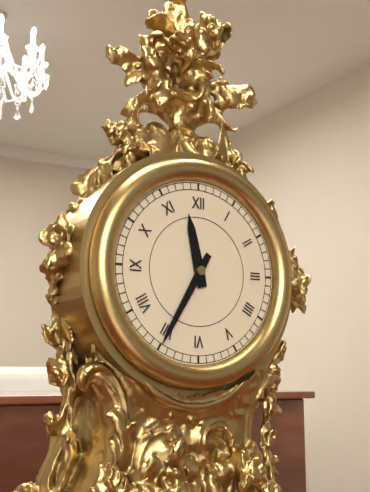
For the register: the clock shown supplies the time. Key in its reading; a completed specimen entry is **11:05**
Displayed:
**11:35**
